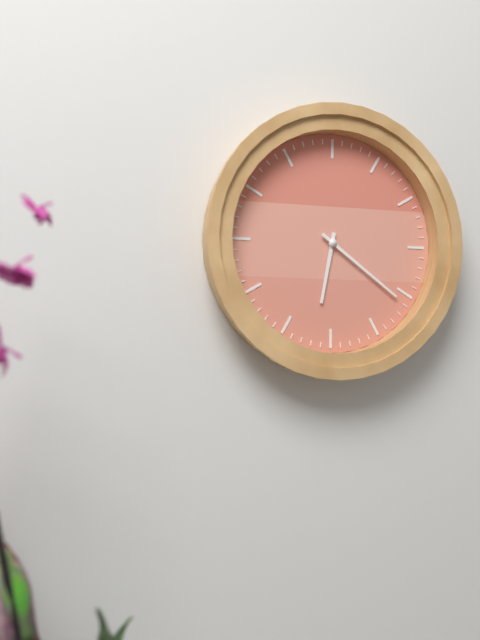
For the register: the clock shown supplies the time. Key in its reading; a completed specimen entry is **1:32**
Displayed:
**6:21**
